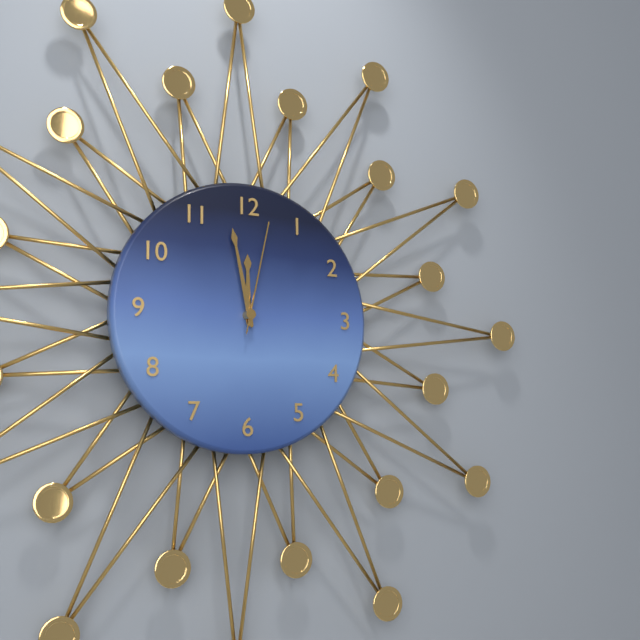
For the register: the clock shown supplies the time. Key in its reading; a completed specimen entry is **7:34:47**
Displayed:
**11:58:02**
